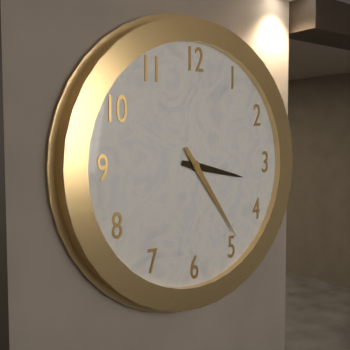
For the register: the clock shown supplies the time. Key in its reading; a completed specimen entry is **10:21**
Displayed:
**3:24**
